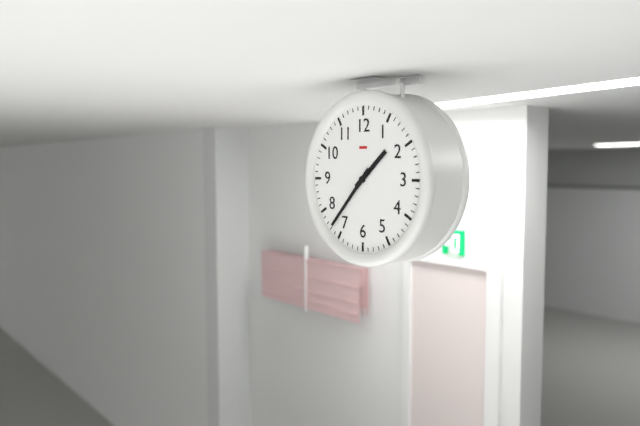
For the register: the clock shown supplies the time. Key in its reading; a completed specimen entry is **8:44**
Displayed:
**1:37**
